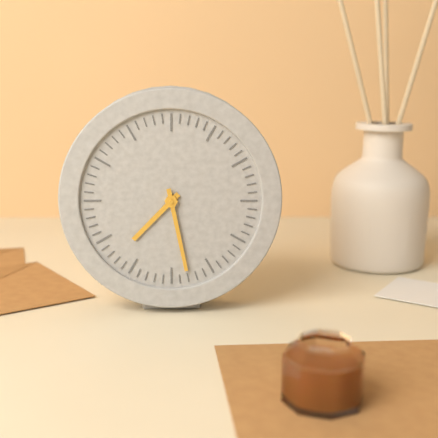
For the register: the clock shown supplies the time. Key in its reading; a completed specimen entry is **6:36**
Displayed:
**7:28**
